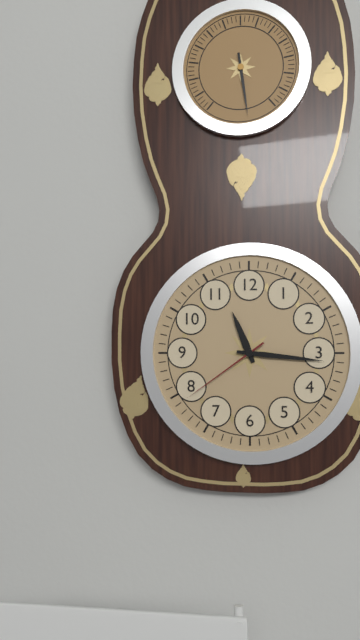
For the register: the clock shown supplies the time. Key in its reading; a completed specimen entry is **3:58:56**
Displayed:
**11:16:39**
